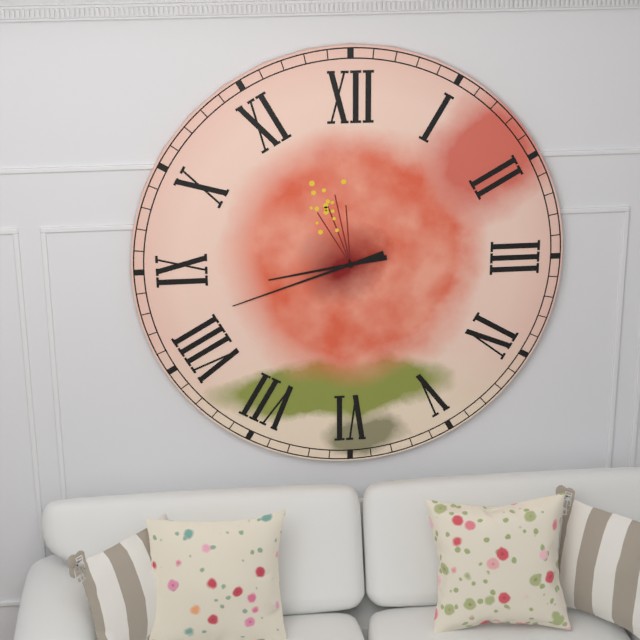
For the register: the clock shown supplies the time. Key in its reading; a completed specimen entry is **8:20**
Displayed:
**8:42**
